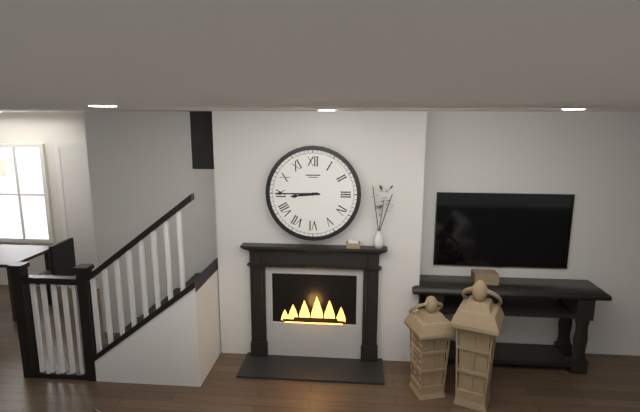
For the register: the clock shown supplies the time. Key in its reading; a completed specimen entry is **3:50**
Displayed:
**8:45**
